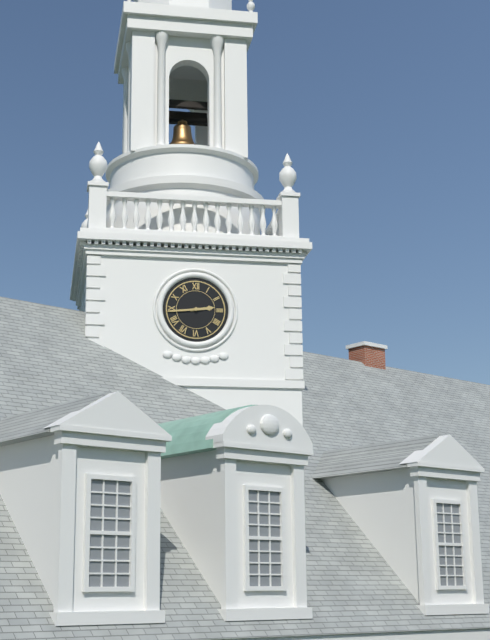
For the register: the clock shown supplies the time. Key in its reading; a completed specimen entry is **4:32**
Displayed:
**2:44**
